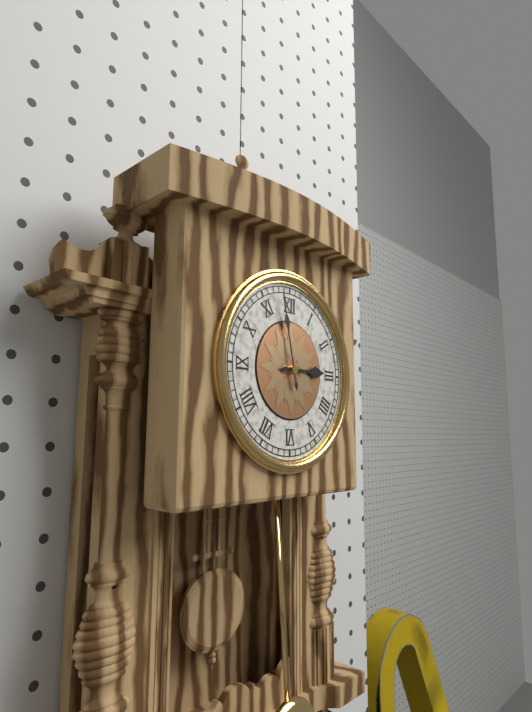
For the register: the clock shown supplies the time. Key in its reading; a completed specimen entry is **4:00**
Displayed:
**2:58**
